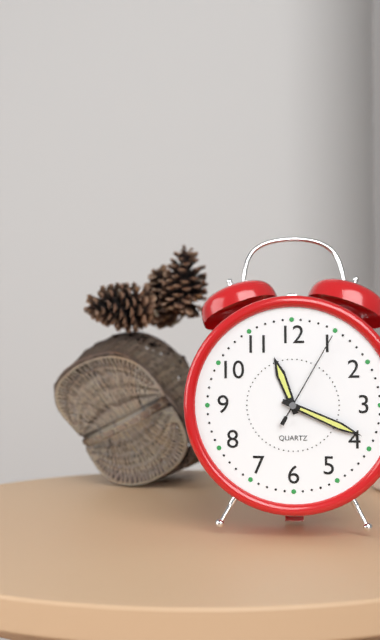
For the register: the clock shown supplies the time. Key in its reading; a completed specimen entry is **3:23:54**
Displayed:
**11:19:05**
